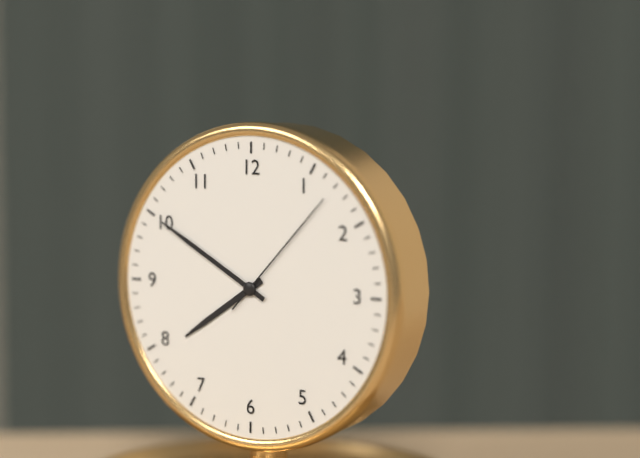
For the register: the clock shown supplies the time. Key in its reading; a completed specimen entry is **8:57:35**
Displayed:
**7:50:07**
